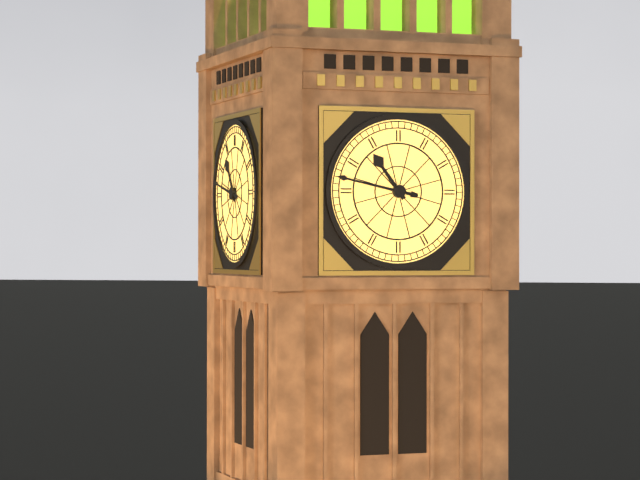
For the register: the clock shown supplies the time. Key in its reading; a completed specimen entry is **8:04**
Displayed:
**10:47**
